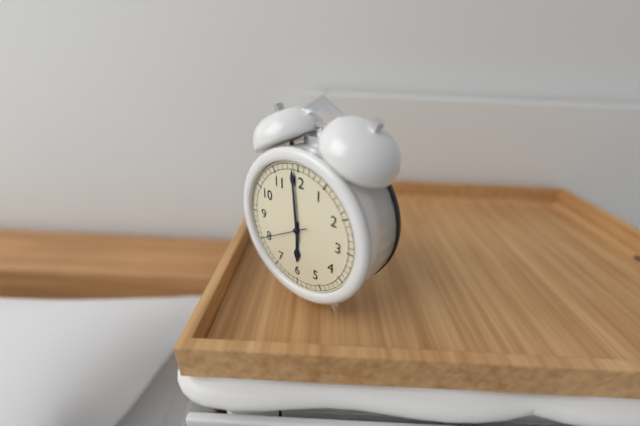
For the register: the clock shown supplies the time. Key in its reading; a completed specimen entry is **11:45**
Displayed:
**5:59**
